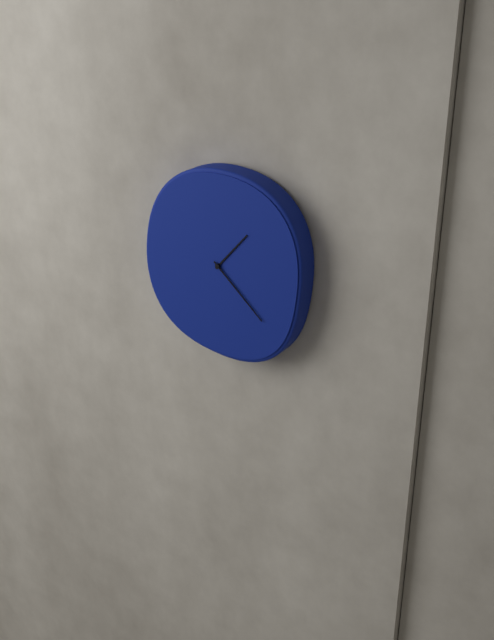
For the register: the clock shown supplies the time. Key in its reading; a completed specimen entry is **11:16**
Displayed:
**1:22**
